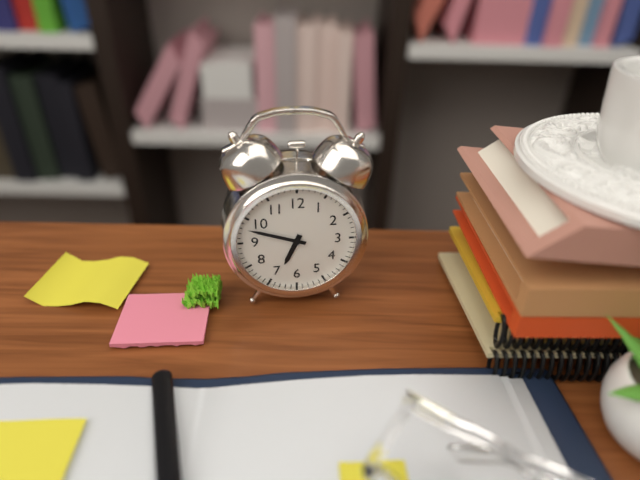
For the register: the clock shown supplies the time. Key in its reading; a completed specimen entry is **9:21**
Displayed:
**6:48**
